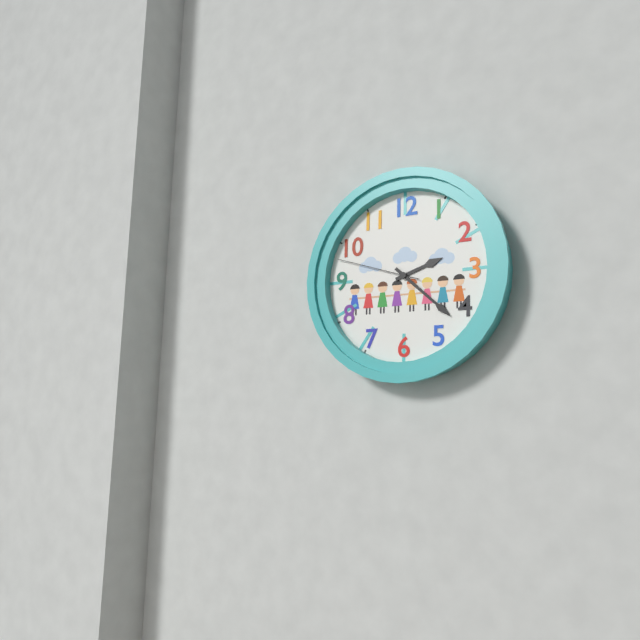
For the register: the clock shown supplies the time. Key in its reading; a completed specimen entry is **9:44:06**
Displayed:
**2:22:48**
